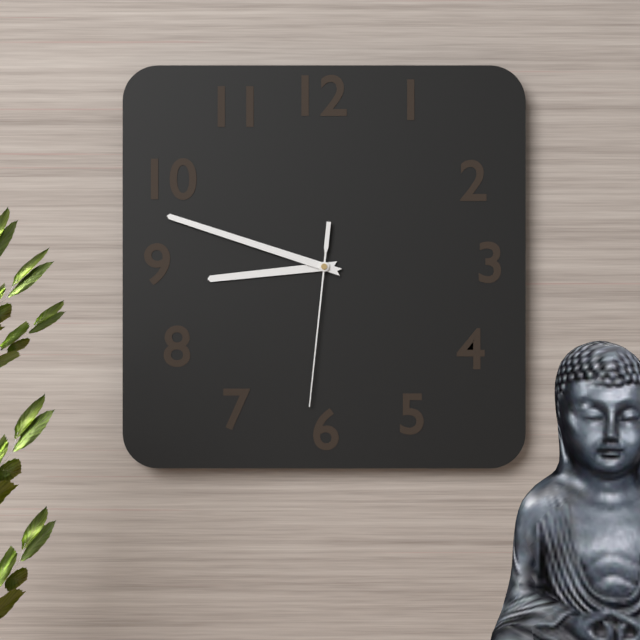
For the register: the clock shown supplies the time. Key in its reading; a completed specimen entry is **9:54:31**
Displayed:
**8:48:31**
